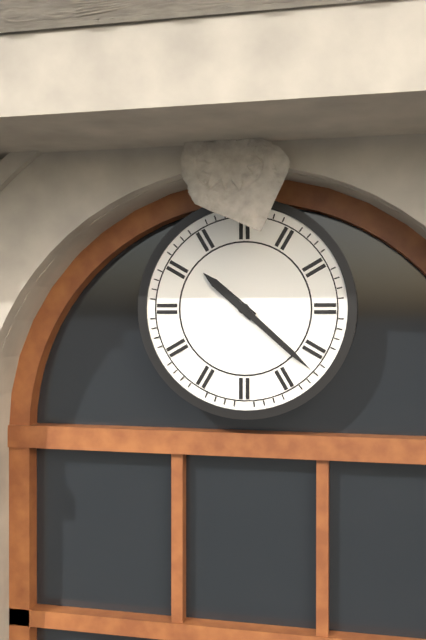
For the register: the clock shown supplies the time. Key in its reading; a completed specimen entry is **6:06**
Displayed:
**10:22**
